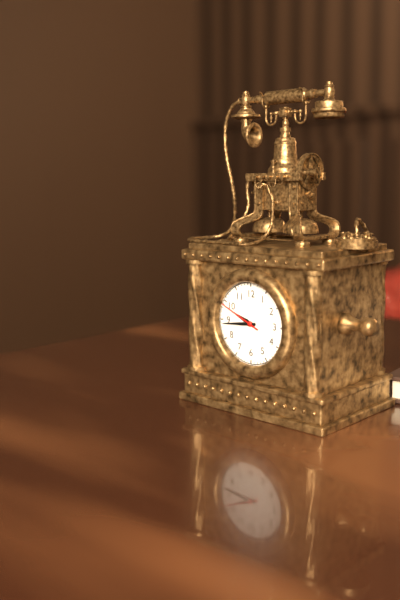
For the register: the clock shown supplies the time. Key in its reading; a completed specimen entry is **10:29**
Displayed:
**9:44**
